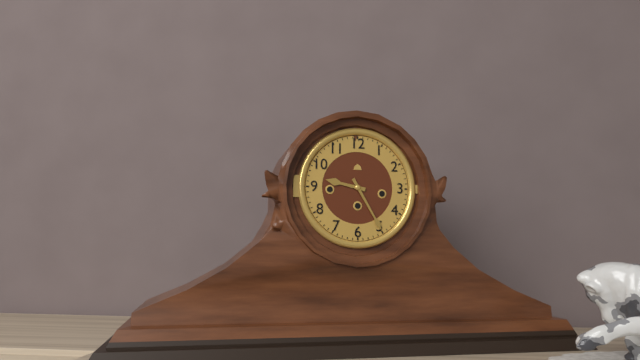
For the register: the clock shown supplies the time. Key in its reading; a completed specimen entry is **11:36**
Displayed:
**9:25**
